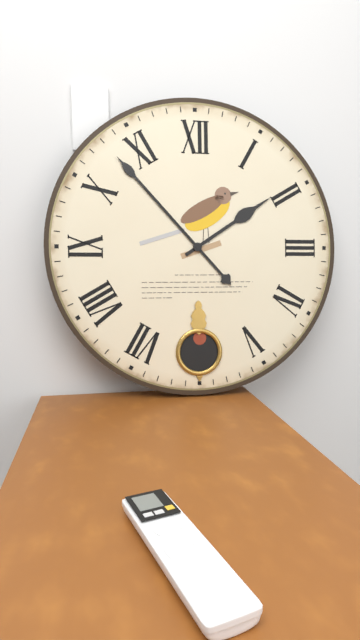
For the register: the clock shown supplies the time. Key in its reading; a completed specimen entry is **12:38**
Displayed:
**1:53**
